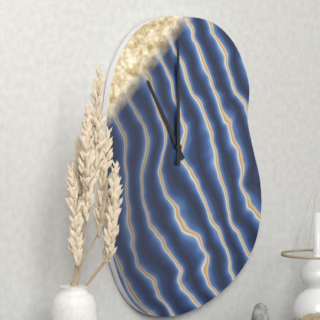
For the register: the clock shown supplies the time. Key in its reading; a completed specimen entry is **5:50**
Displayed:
**11:00**
